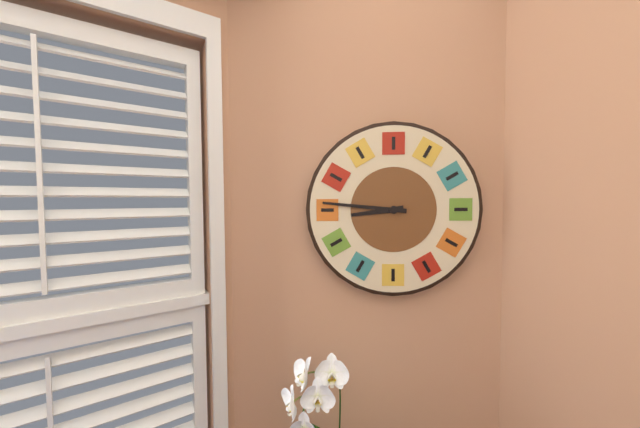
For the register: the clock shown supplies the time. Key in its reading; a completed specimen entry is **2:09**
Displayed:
**8:46**
